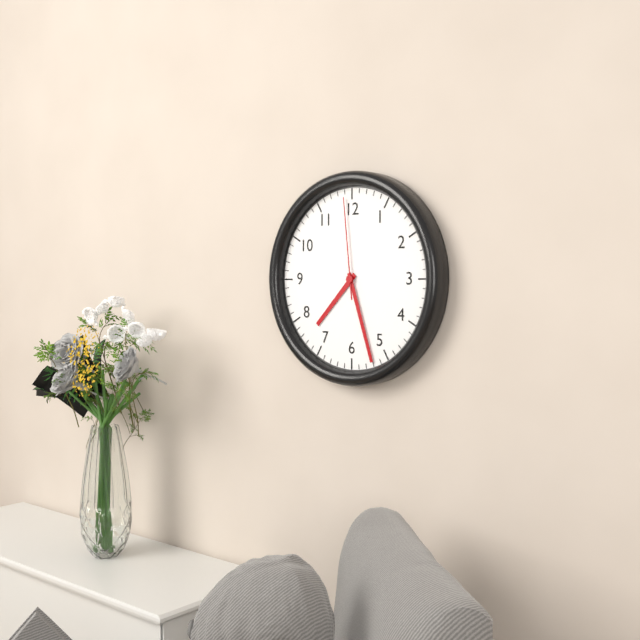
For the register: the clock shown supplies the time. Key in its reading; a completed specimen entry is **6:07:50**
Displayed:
**7:27:59**
